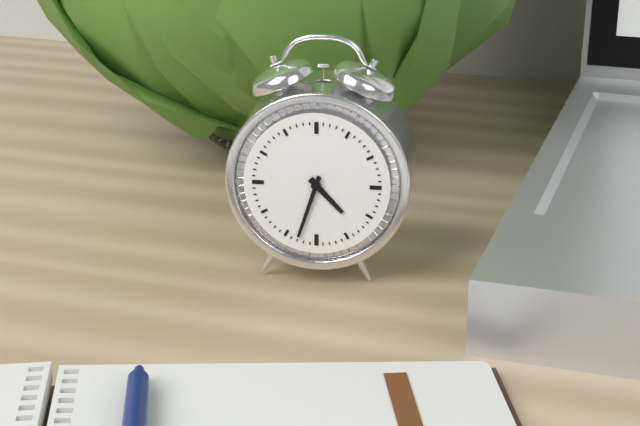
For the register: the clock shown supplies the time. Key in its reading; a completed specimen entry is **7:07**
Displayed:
**4:33**
